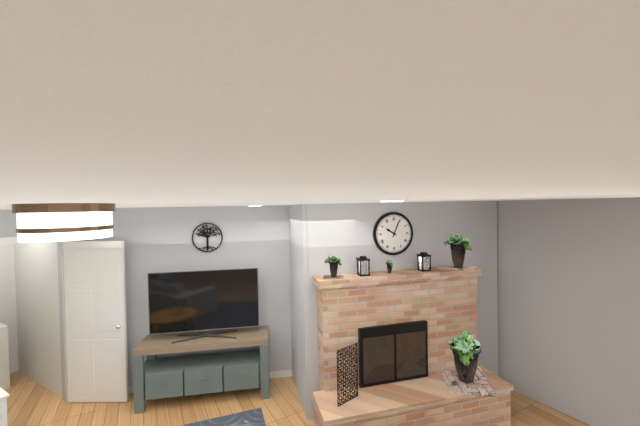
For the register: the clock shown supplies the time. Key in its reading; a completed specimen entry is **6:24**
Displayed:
**10:04**
